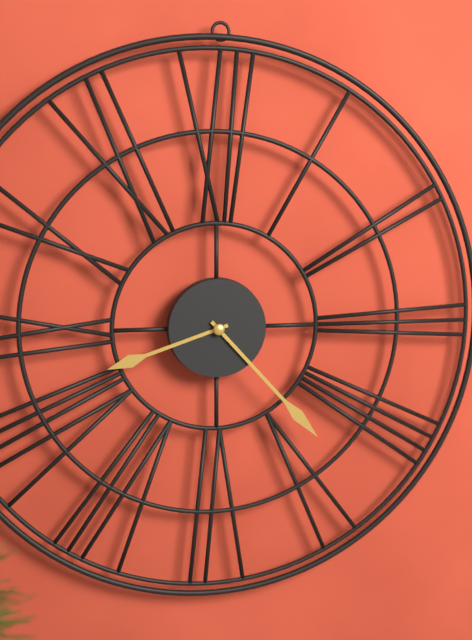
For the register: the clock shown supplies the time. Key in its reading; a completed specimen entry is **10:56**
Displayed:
**8:23**
